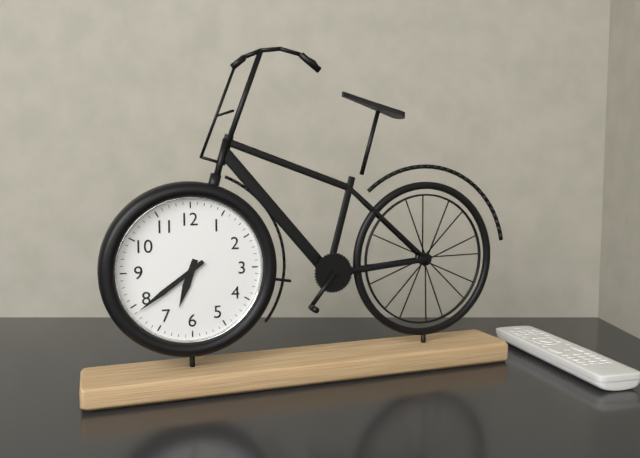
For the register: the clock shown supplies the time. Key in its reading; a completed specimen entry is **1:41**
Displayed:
**6:39**
